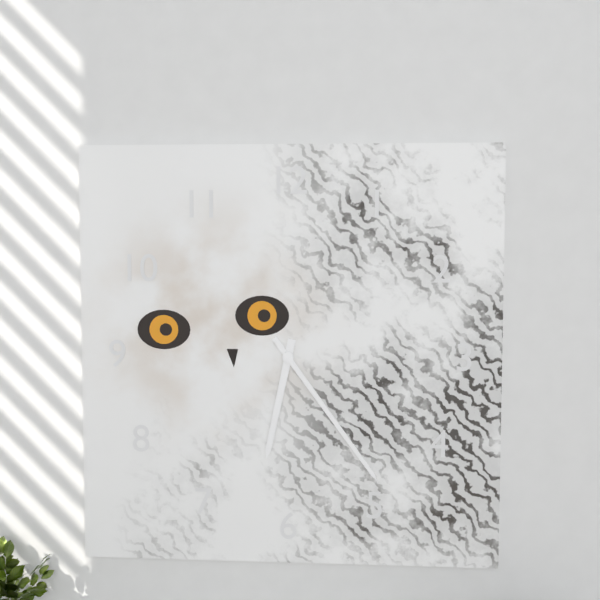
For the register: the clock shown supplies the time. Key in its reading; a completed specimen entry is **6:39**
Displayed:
**6:24**
